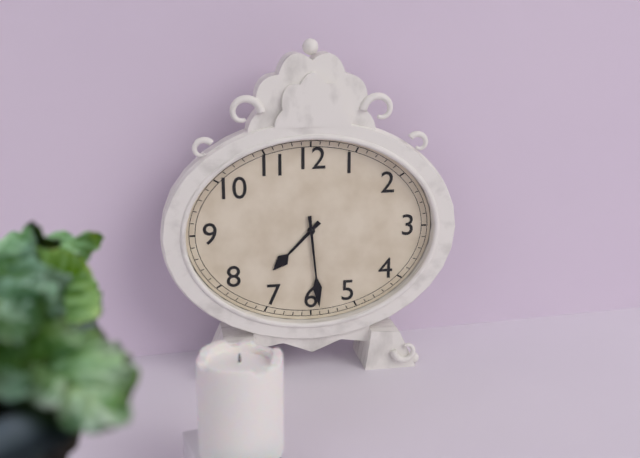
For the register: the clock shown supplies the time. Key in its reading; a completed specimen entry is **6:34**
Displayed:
**7:29**
